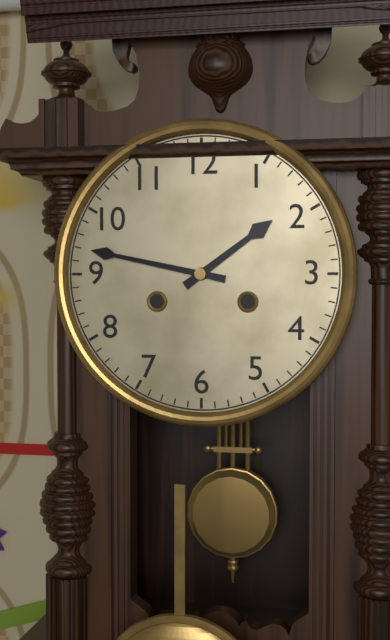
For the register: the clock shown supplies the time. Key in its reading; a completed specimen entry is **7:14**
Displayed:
**1:47**
